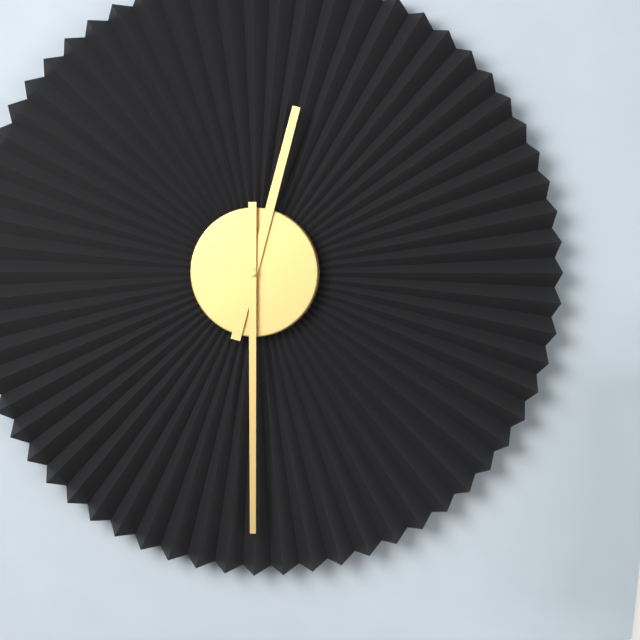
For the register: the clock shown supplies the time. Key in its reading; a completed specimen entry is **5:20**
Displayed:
**12:30**
